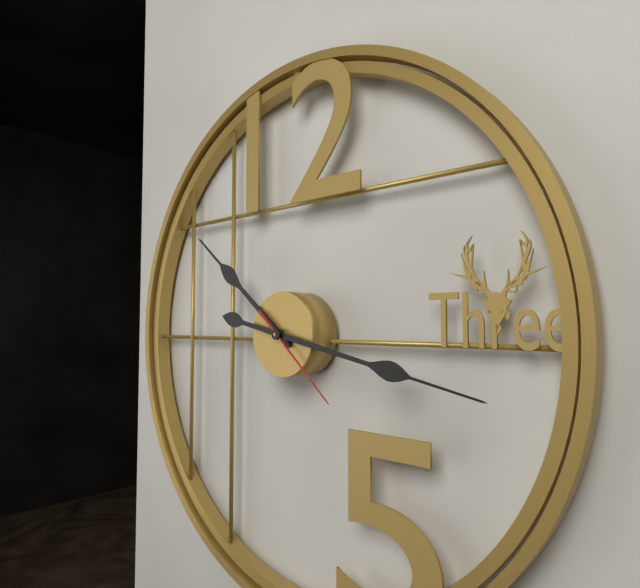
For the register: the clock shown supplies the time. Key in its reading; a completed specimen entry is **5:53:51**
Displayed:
**10:17:22**
